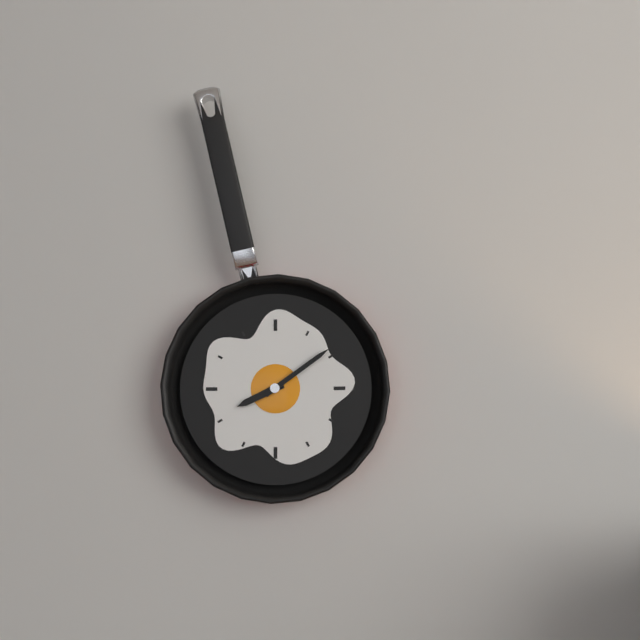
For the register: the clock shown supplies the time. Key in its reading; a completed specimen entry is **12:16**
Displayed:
**8:09**
